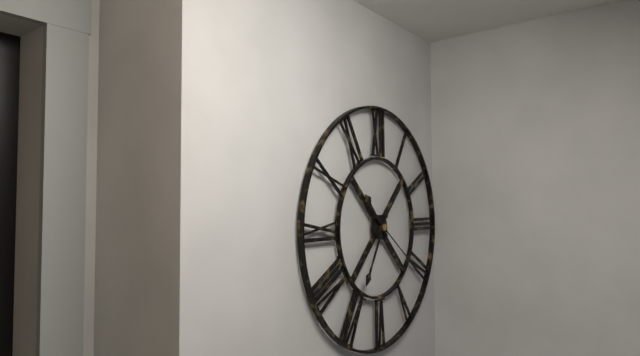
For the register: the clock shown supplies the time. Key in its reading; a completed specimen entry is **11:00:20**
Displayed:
**10:35:21**
